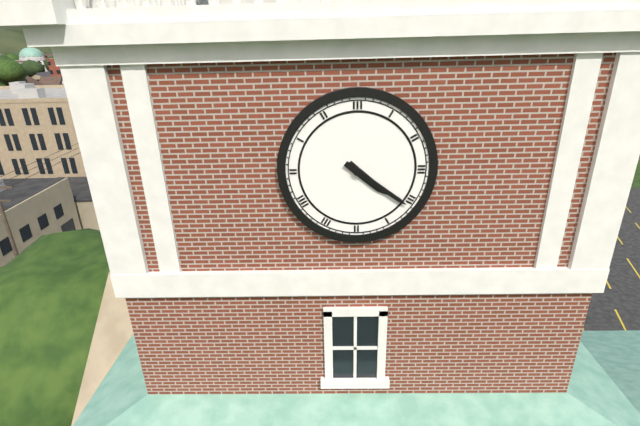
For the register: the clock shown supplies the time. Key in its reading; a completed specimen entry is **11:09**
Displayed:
**4:21**
